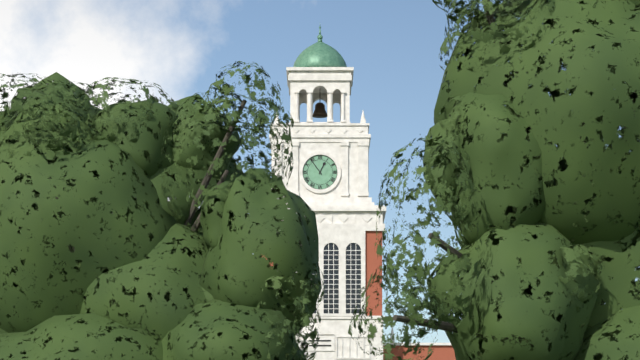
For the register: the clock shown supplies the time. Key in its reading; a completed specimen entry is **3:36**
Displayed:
**12:54**
